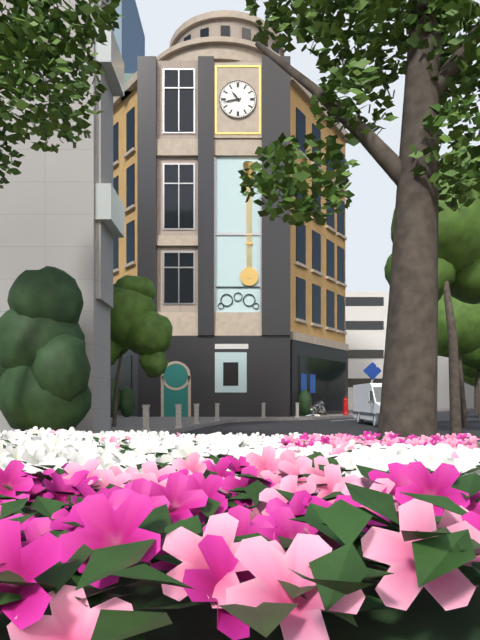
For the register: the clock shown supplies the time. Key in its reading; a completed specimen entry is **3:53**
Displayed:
**10:43**
